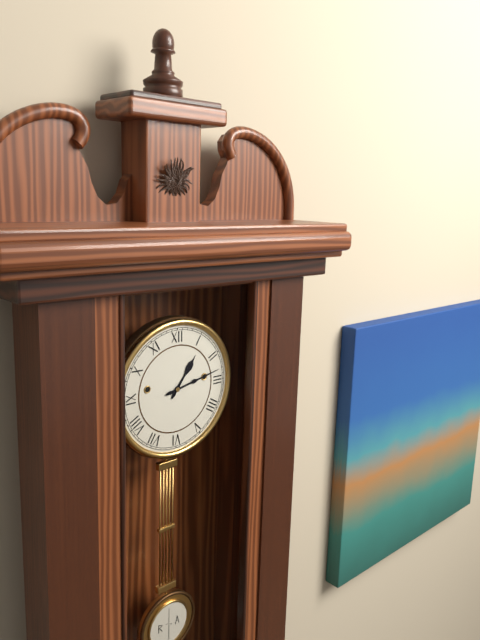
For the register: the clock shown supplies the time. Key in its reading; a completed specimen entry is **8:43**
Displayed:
**1:13**
